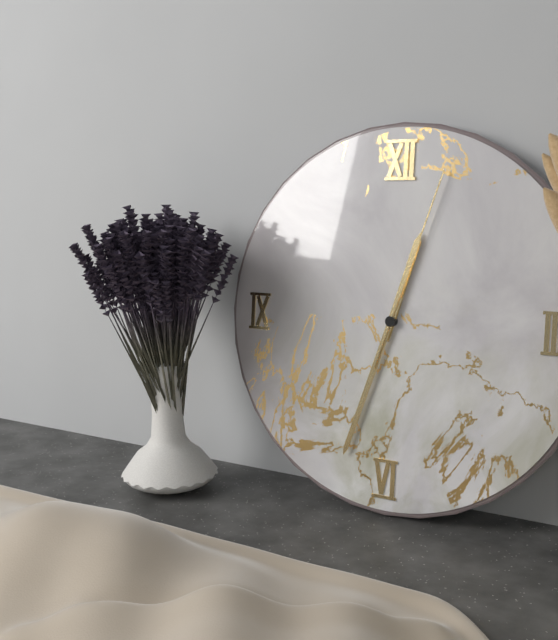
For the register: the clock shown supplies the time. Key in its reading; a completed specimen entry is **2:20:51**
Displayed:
**12:33:03**
